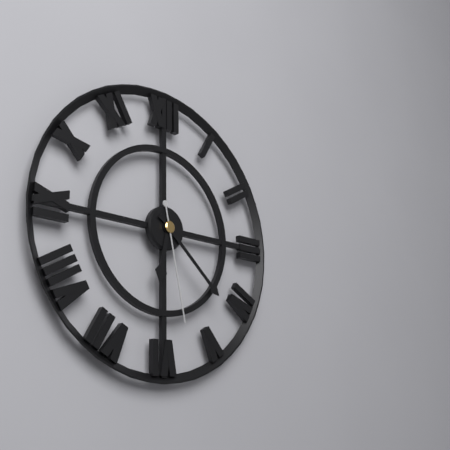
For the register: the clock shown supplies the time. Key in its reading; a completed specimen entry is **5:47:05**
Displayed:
**6:22:28**
